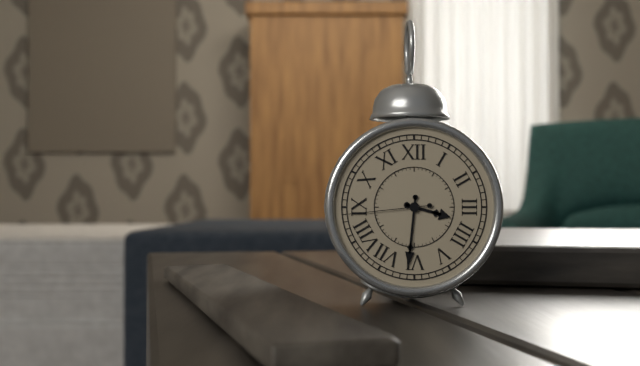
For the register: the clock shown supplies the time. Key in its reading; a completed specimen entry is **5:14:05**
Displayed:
**3:31:44**
